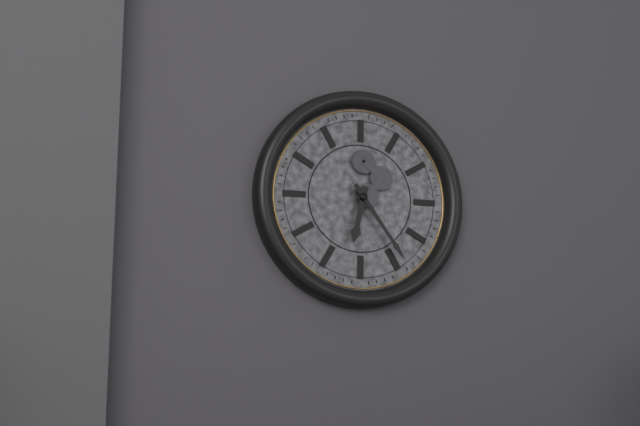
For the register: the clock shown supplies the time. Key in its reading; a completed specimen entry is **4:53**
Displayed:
**6:24**
